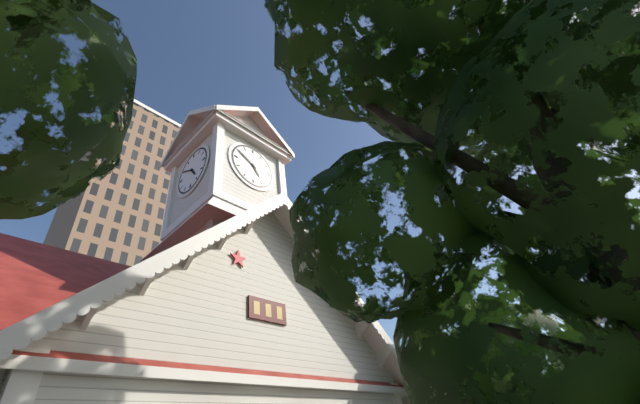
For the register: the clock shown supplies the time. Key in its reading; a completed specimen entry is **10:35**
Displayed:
**4:50**
